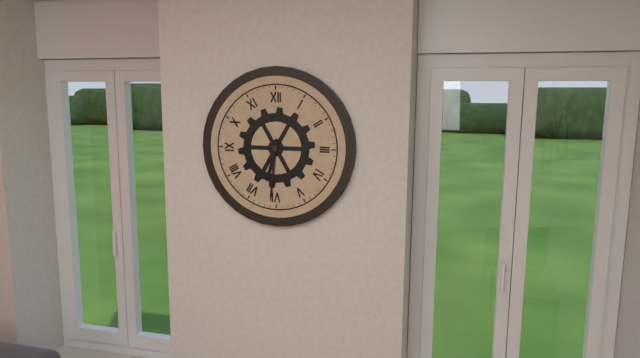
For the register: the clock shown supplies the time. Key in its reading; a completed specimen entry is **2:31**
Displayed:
**6:31**
